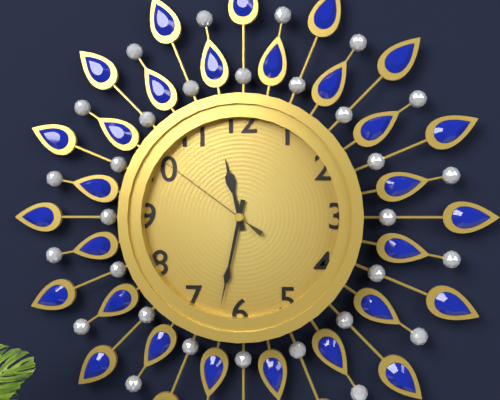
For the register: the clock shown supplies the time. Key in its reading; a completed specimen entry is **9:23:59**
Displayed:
**11:32:51**
